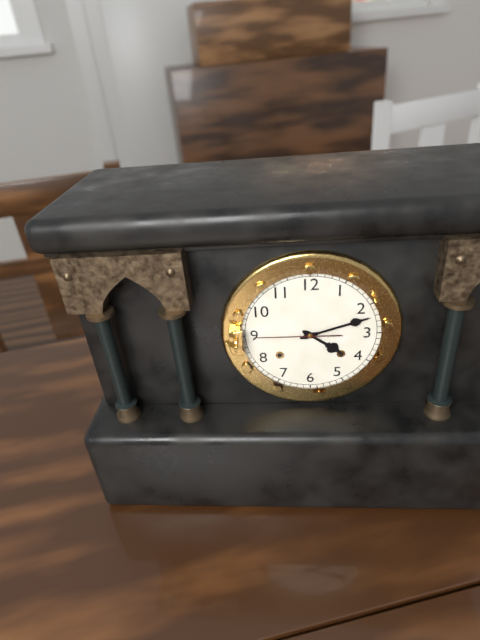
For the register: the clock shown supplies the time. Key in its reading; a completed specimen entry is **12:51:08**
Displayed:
**4:12:45**
